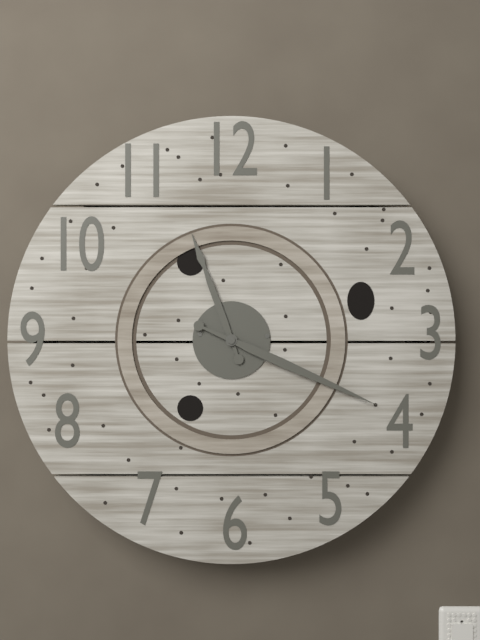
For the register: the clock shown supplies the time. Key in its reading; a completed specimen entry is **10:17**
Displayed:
**11:19**
